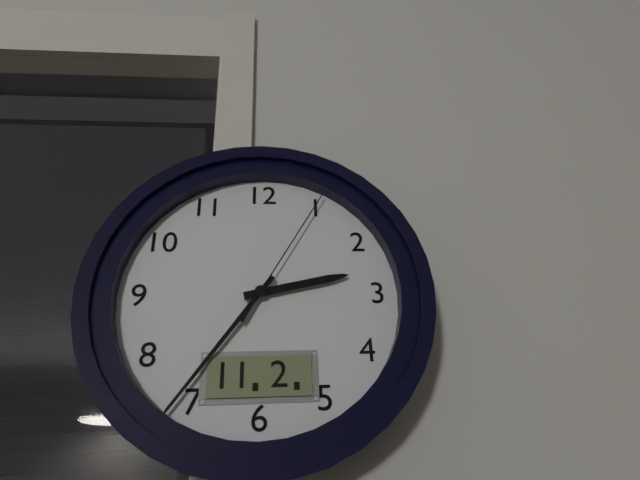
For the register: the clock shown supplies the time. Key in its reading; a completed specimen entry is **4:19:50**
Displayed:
**2:36:05**
